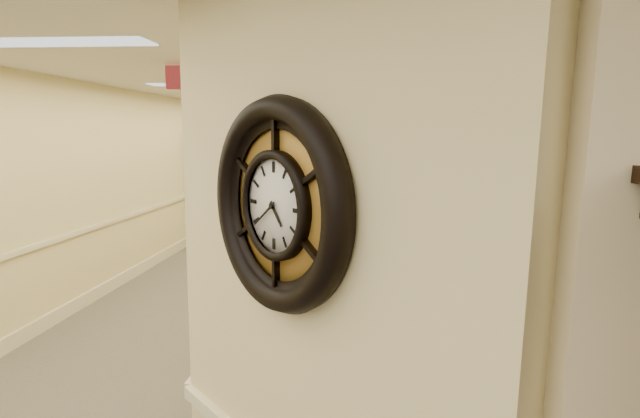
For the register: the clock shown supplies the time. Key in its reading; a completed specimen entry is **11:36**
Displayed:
**4:39**
